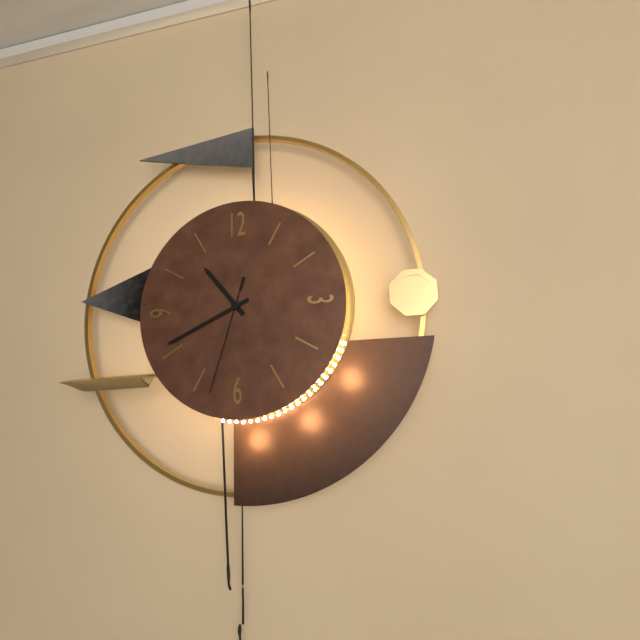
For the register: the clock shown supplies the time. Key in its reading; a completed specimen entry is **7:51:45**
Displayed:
**10:41:33**
